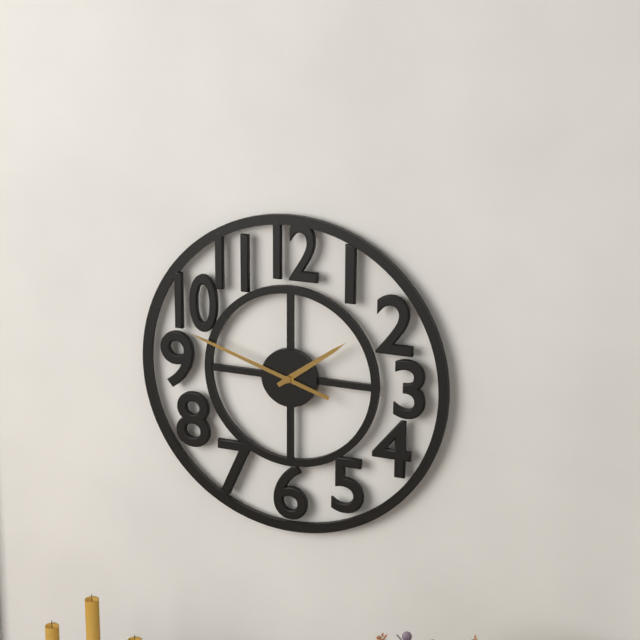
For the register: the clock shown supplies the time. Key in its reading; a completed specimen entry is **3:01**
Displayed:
**1:48**
